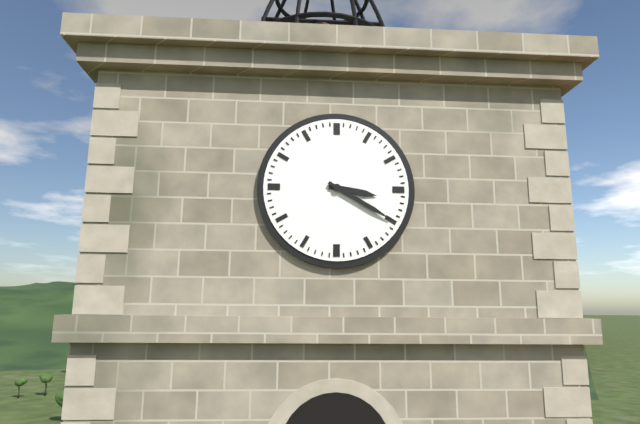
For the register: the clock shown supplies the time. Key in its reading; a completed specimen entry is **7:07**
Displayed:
**3:20**
